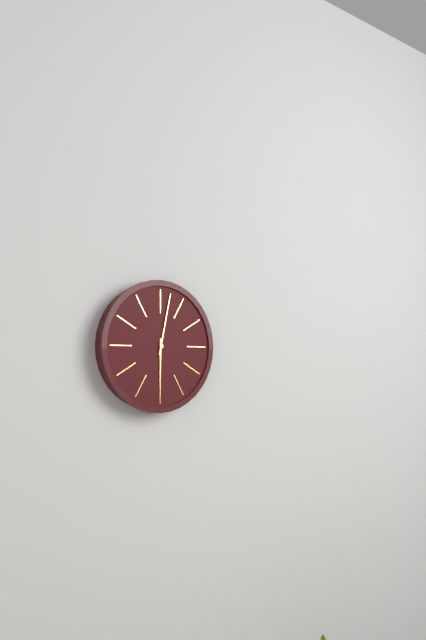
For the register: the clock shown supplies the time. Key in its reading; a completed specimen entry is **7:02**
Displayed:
**6:02**
